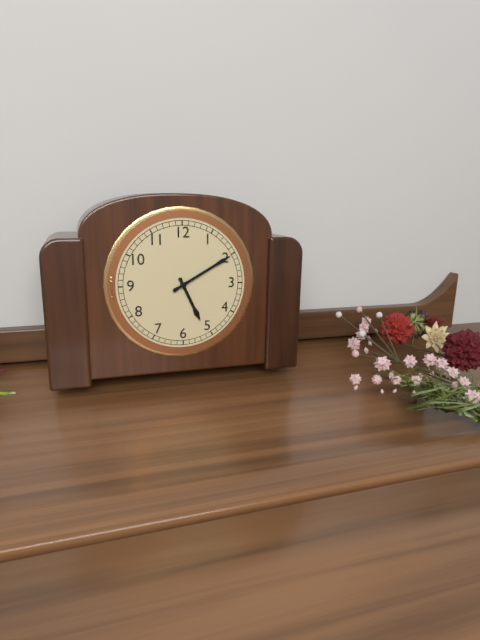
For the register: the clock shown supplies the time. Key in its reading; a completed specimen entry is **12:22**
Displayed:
**5:10**
